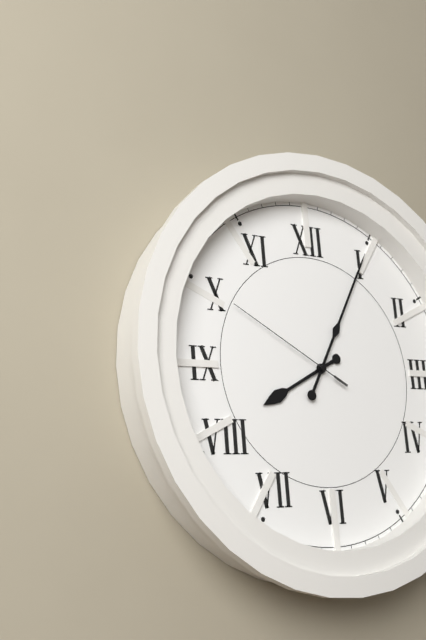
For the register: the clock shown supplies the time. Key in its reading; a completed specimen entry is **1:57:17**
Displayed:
**8:05:50**
